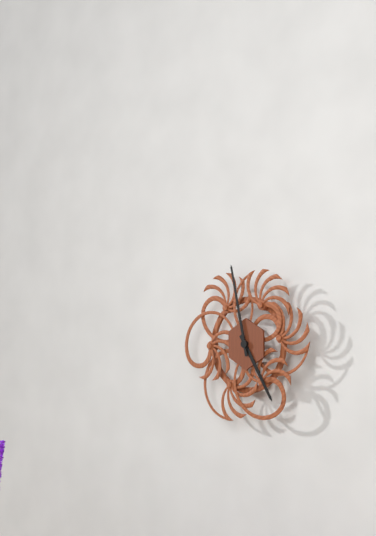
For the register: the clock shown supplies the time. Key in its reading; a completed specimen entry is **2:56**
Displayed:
**4:58**
